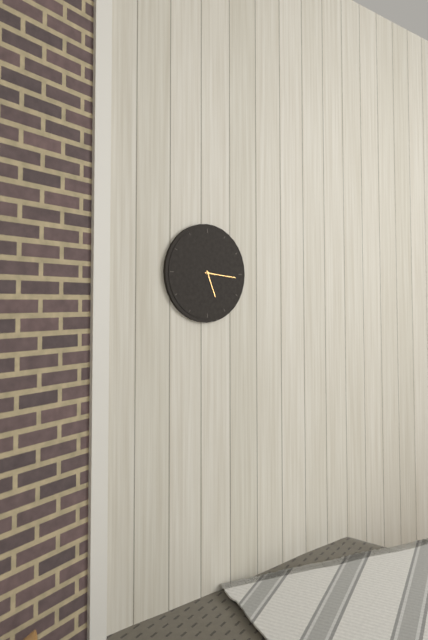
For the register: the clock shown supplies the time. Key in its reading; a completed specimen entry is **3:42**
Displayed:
**5:16**
